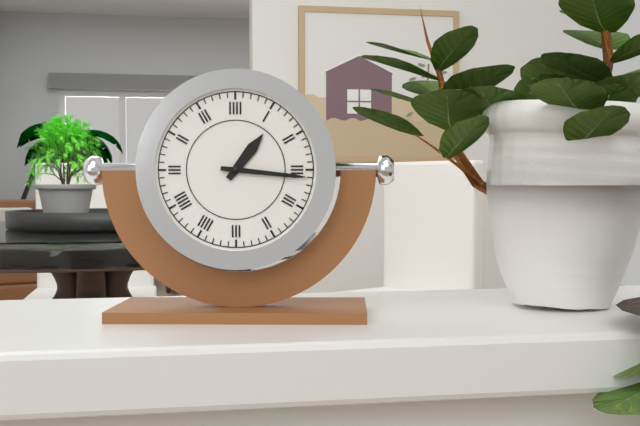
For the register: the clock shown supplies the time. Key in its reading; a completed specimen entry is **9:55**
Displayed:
**1:16**
